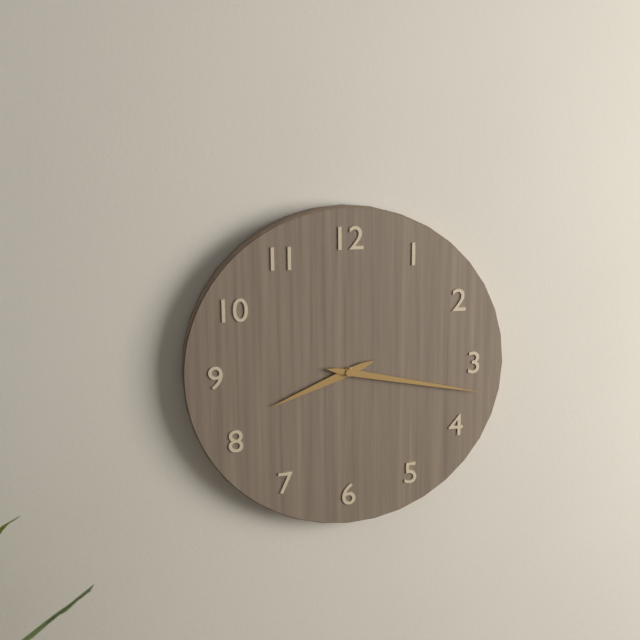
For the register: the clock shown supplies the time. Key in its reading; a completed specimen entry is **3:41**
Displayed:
**8:17**
